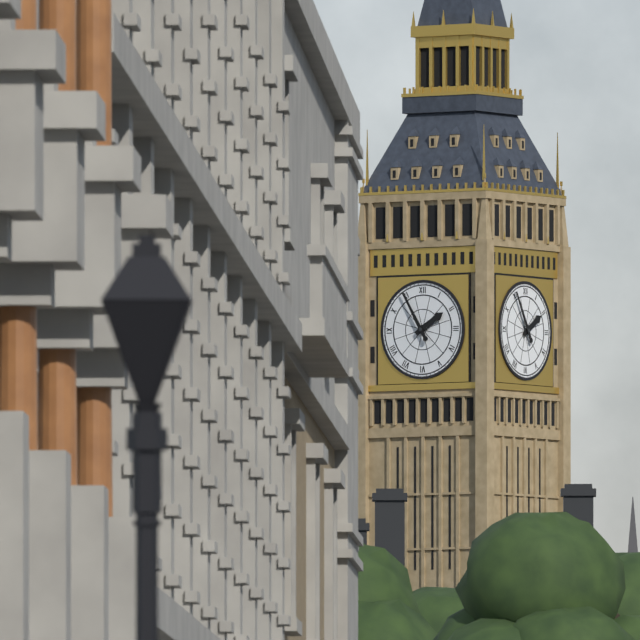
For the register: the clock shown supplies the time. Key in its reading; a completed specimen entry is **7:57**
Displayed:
**1:55**
